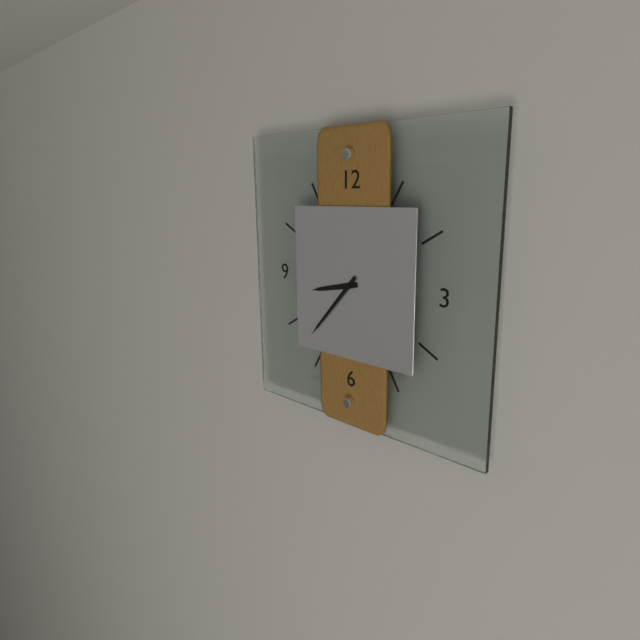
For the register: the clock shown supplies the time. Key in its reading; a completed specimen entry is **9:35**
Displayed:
**8:37**
